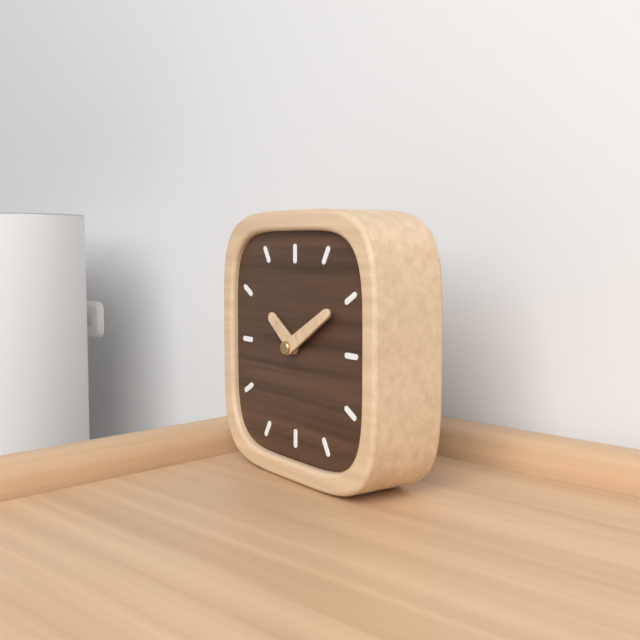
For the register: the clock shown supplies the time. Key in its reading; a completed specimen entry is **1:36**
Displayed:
**10:10**
